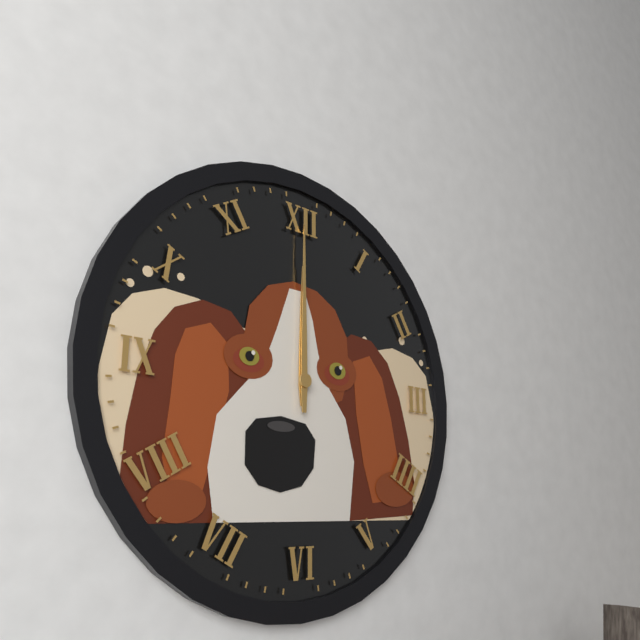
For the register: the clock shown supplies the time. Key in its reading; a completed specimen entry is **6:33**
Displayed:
**12:00**
